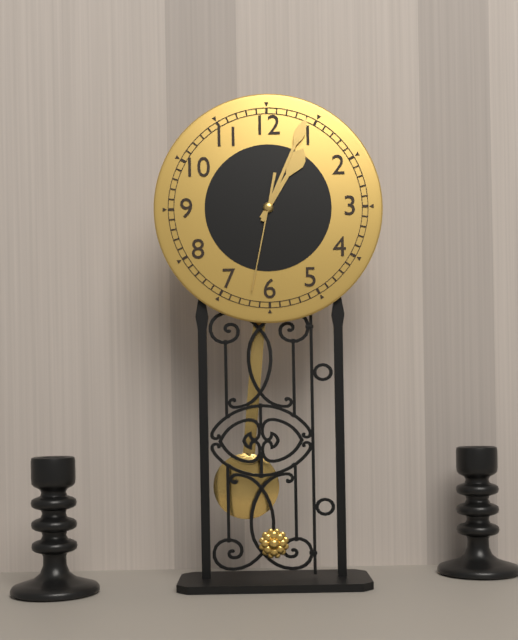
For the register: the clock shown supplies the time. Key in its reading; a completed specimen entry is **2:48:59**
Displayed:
**1:04:32**
